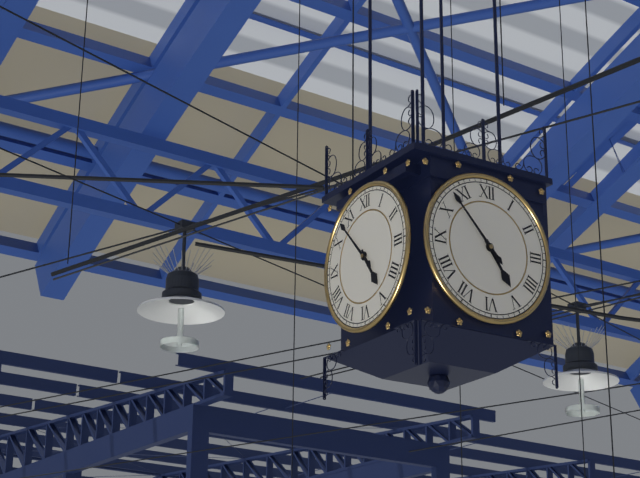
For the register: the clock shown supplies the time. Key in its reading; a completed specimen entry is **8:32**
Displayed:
**4:53**
